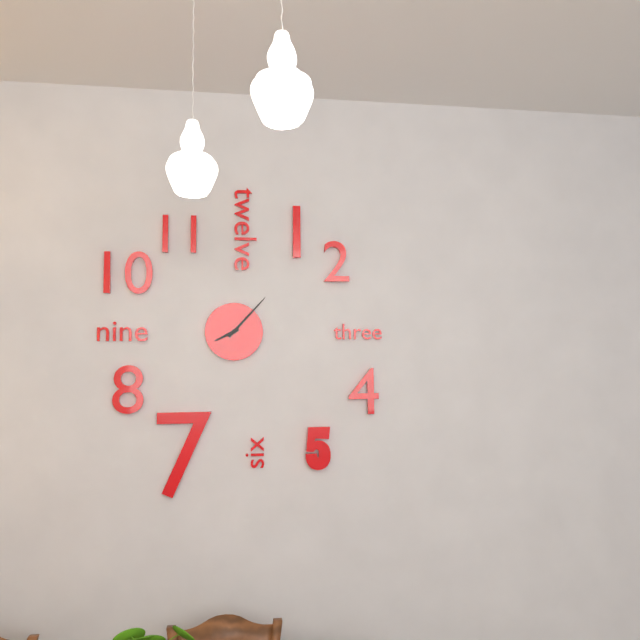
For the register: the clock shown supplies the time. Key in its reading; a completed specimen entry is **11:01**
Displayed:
**8:07**
